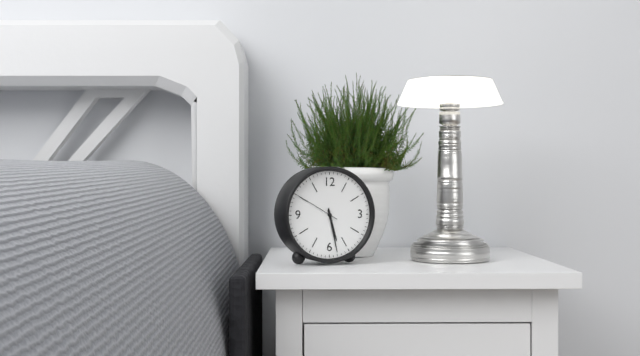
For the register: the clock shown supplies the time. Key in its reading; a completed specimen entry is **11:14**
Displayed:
**5:28**
